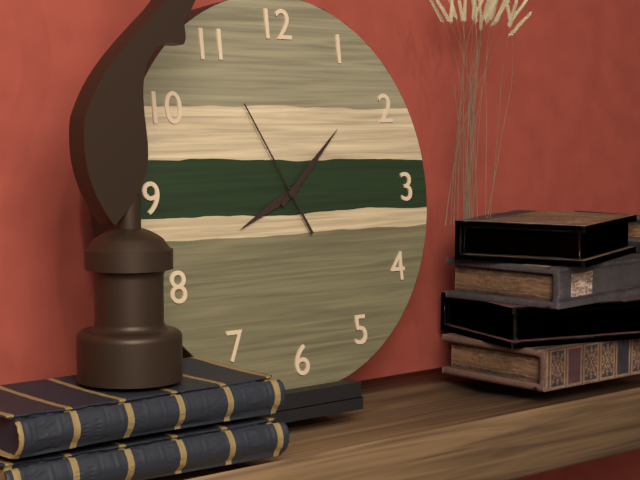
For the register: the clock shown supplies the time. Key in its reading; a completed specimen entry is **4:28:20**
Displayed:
**8:08:55**
